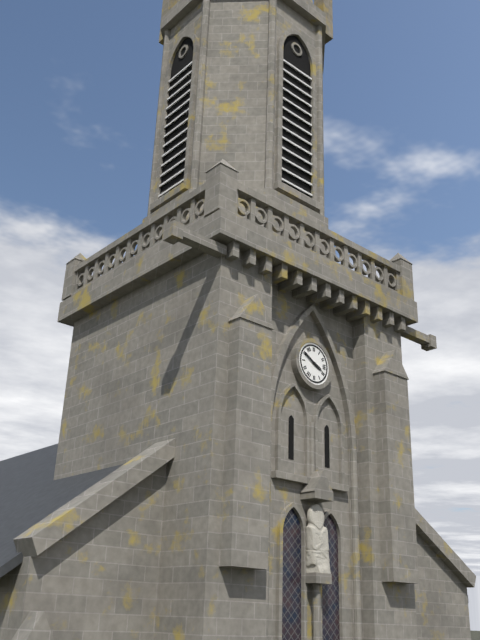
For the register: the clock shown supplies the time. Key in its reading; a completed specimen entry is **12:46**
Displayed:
**3:50**
